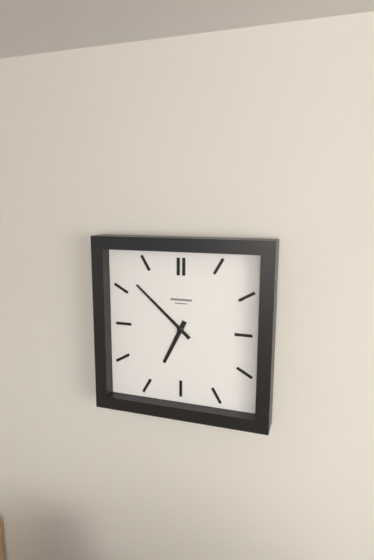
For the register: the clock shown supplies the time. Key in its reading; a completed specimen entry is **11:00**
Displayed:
**6:52**
